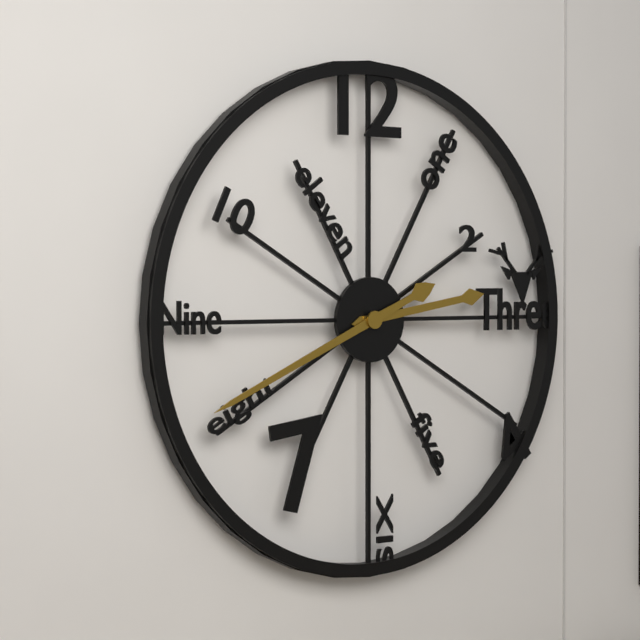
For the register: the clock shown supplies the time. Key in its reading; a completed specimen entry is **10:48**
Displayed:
**2:41**
